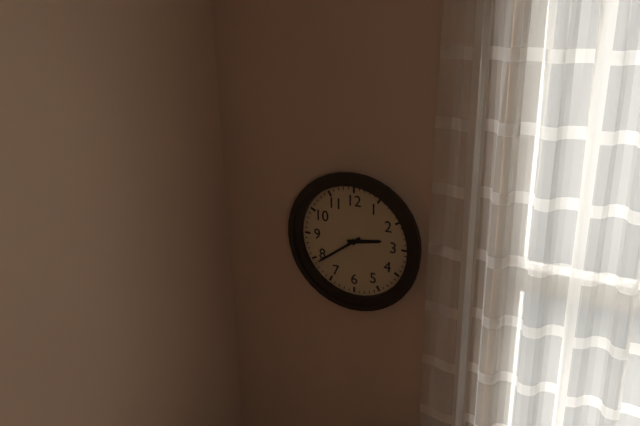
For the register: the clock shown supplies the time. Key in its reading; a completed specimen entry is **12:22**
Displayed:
**2:39**
